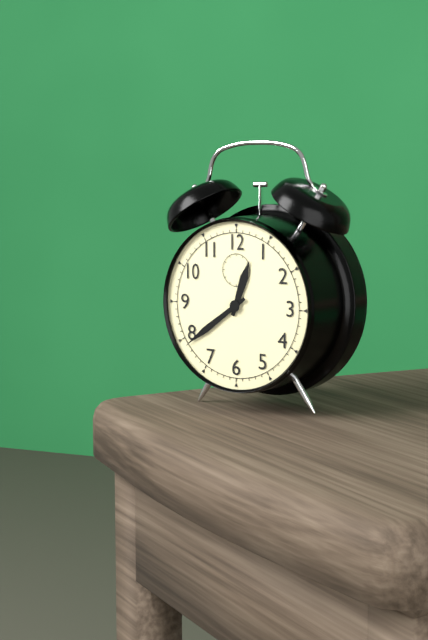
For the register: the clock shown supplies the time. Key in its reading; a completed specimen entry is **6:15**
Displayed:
**12:39**
